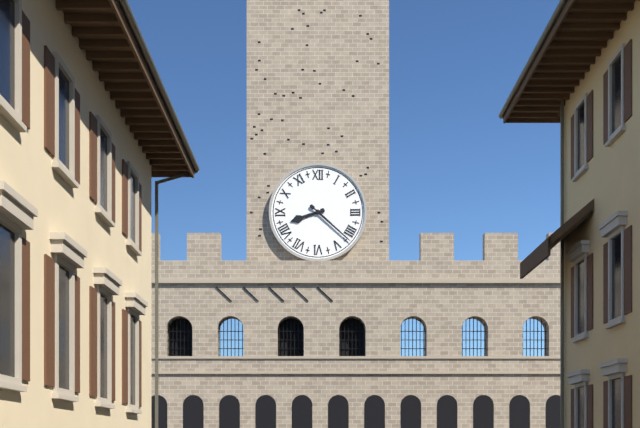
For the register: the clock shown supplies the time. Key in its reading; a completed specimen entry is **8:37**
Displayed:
**8:22**
